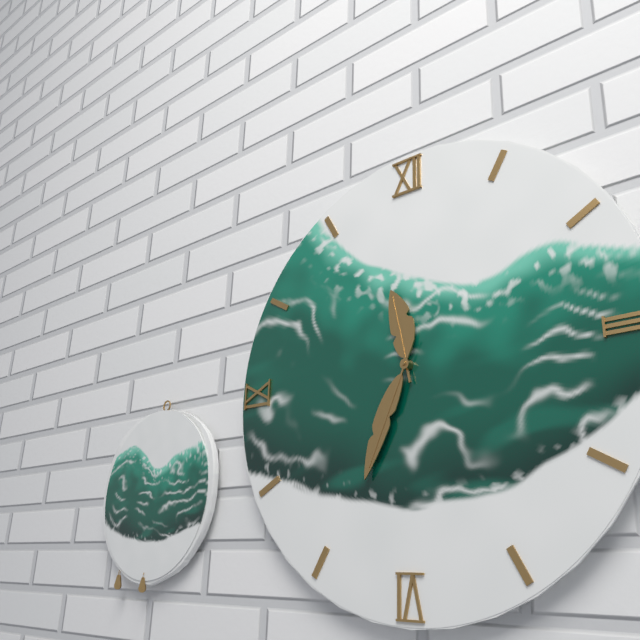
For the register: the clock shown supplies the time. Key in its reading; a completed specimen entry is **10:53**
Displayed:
**11:34**
